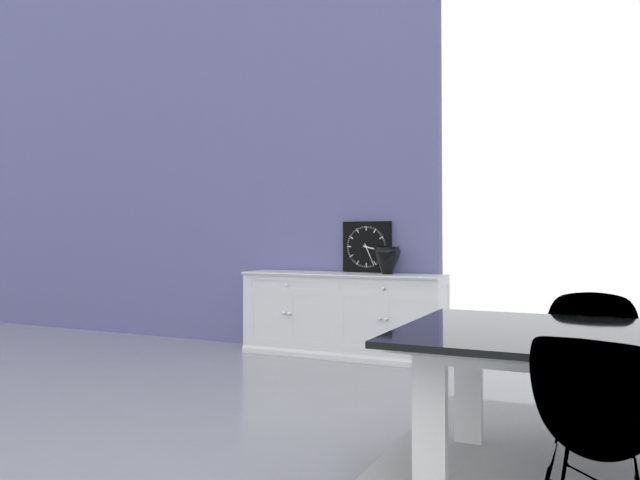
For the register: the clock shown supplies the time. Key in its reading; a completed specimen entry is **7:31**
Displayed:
**3:26**
